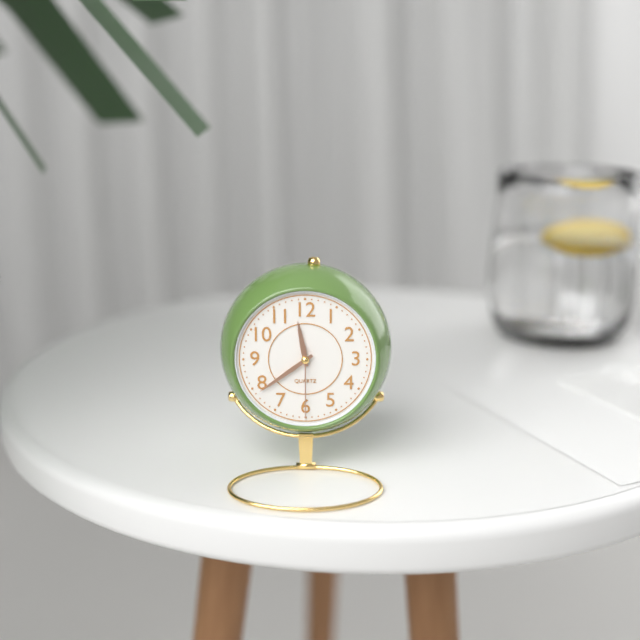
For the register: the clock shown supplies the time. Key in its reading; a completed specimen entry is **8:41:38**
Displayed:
**11:39:30**
